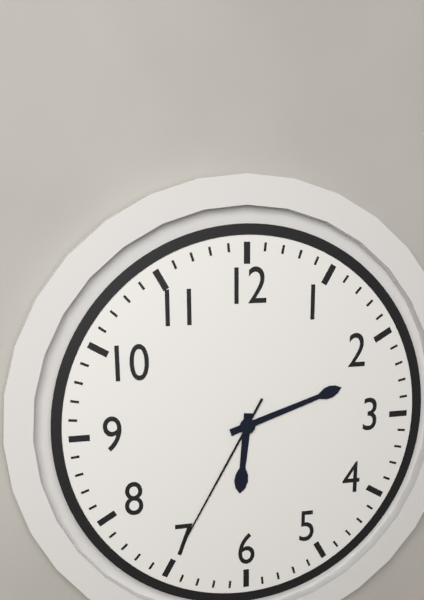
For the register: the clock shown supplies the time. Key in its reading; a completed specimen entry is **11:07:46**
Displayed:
**6:12:35**
